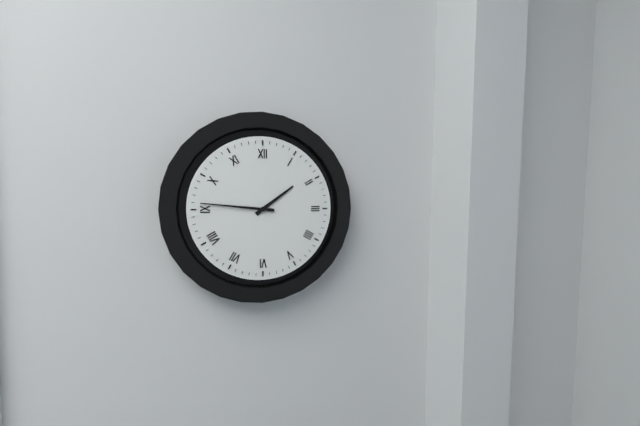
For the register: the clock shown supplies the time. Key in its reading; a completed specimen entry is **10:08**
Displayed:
**1:46**
